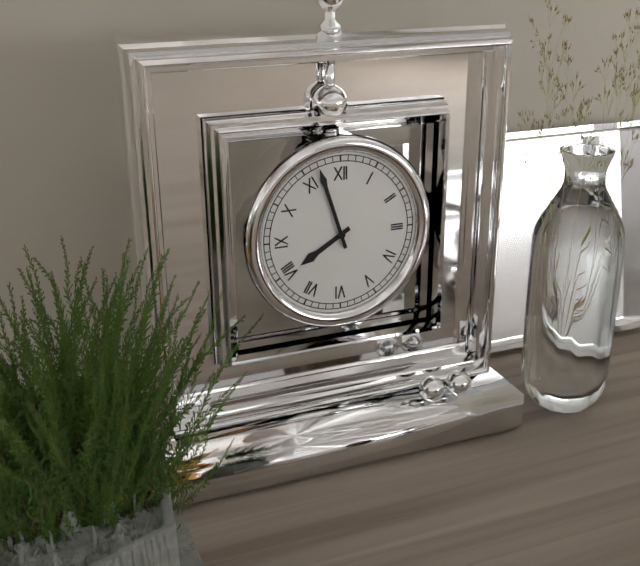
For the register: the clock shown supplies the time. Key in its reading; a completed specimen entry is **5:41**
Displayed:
**7:57**
